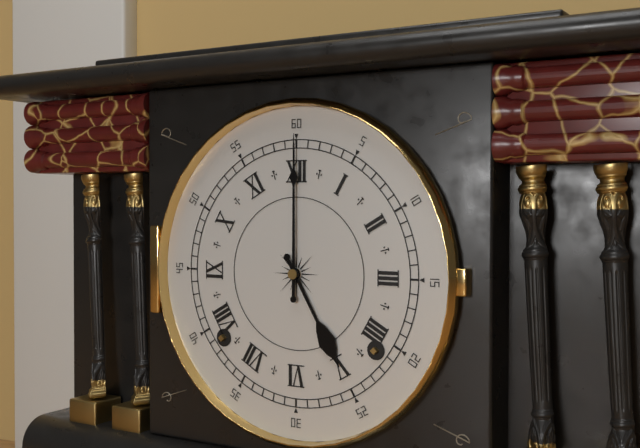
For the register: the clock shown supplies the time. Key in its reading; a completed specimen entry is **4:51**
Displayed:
**5:00**
